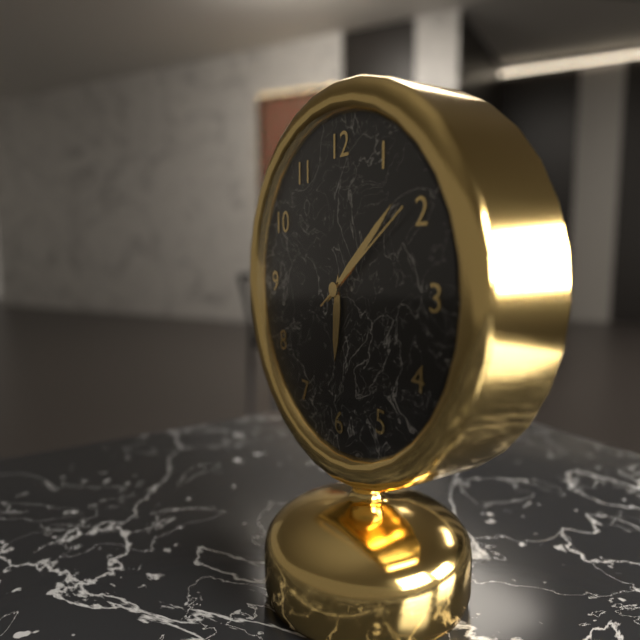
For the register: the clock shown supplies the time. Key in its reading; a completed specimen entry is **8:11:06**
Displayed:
**6:08:09**
